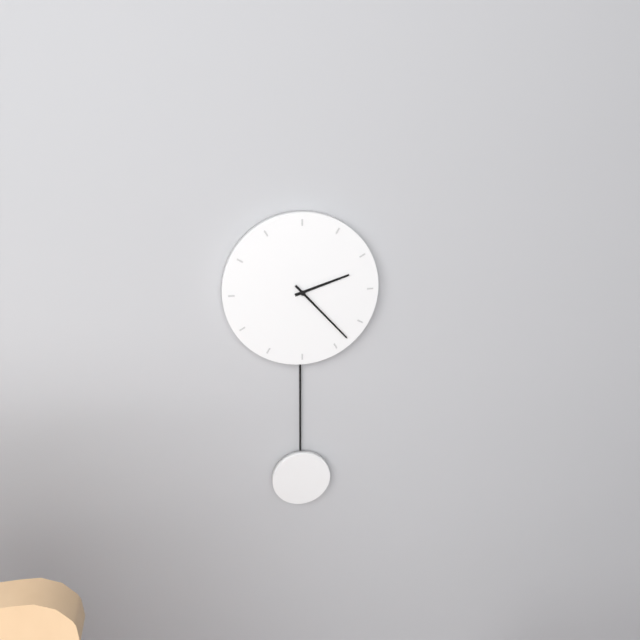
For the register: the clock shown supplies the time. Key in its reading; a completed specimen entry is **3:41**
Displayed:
**2:23**
